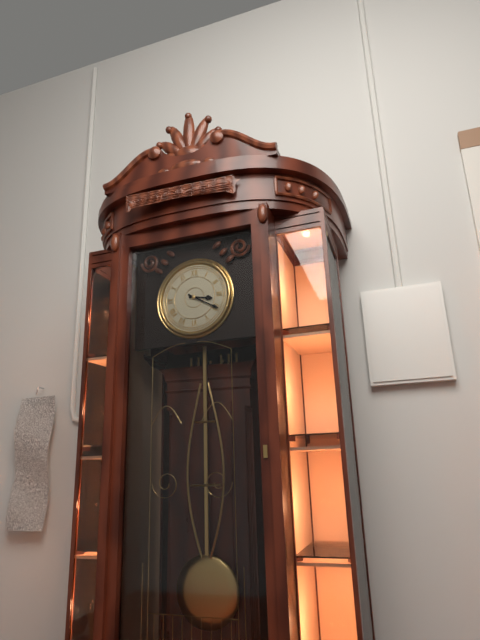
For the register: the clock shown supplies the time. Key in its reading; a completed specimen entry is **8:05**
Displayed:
**3:20**
